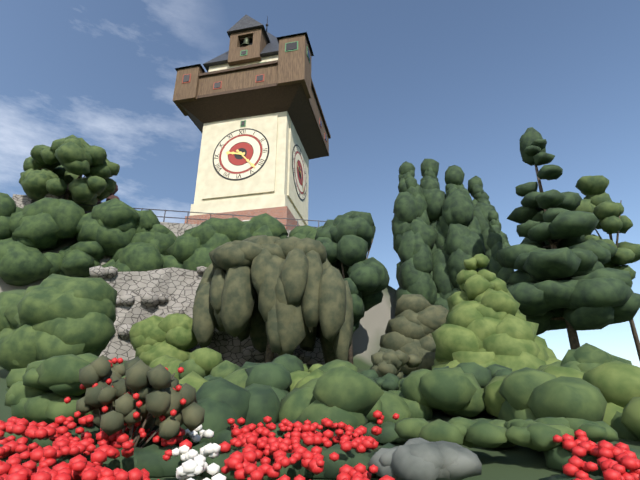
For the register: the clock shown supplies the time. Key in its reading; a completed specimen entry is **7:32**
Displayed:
**9:23**
